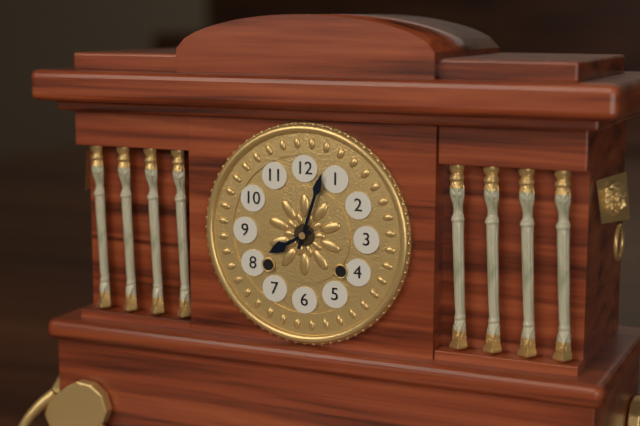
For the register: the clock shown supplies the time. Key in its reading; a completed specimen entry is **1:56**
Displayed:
**8:03**
